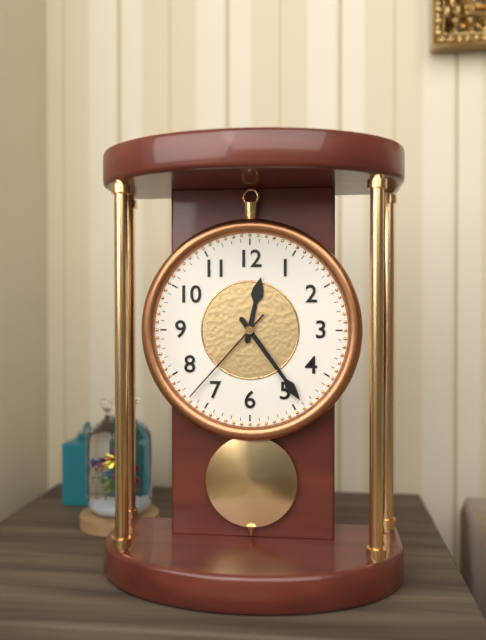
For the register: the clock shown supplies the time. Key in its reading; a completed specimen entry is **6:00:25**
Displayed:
**12:24:37**
